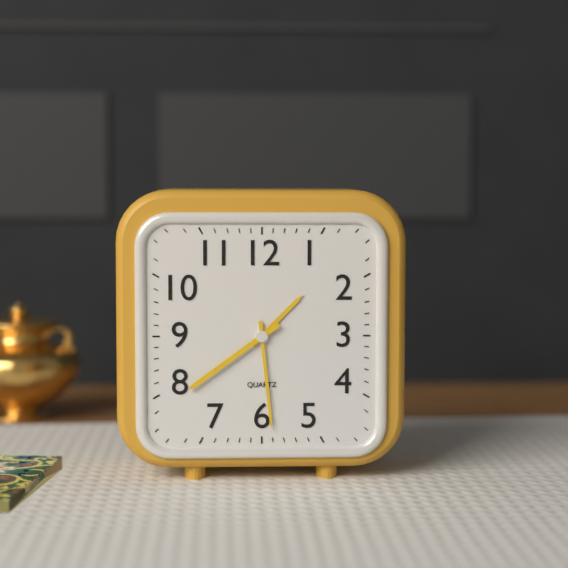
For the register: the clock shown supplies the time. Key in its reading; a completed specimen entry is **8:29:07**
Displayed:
**1:29:39**
